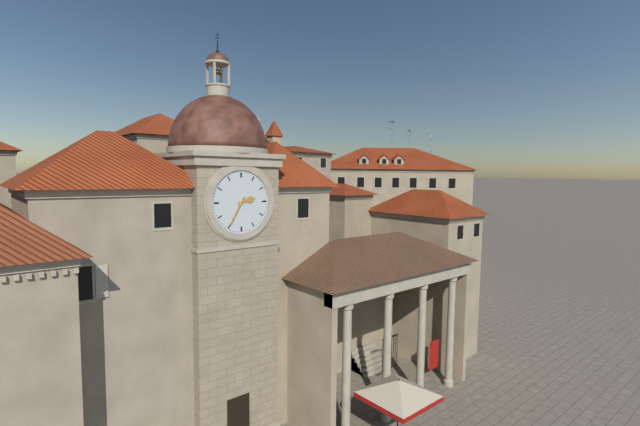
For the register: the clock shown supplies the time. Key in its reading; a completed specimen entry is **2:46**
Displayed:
**2:35**
